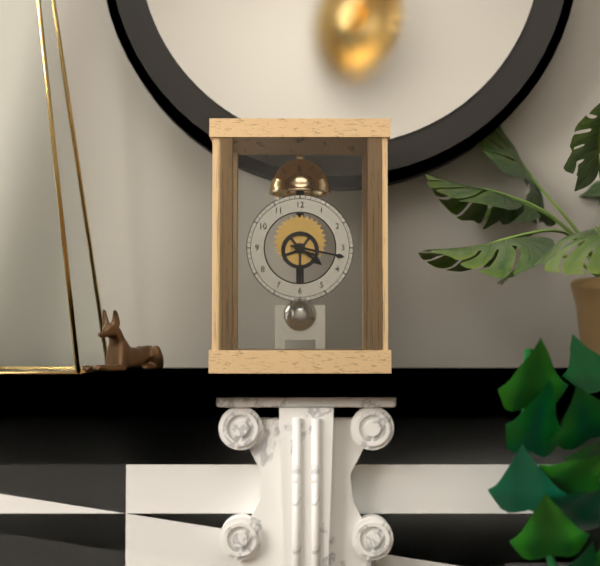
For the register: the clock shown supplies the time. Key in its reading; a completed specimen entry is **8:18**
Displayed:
**4:17**
